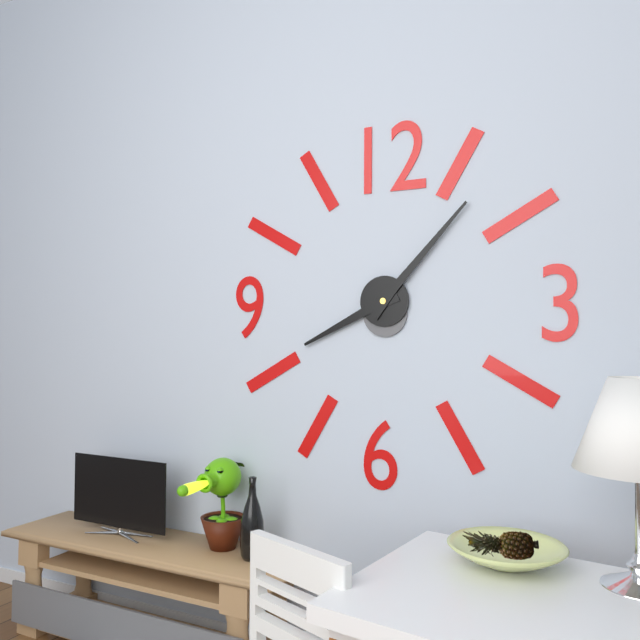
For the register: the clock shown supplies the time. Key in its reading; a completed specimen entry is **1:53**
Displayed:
**8:07**
